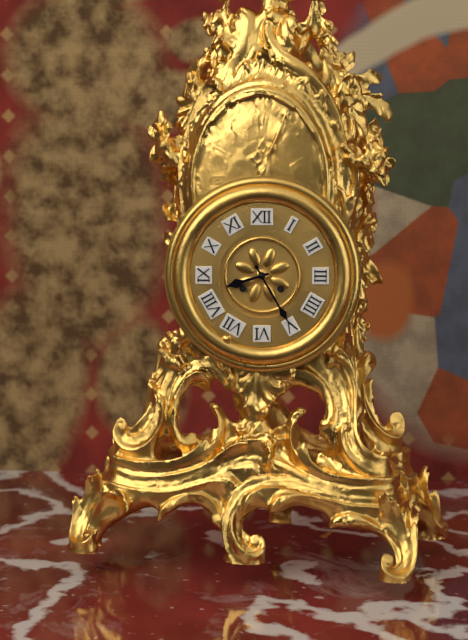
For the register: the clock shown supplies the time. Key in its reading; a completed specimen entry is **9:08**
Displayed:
**8:25**
